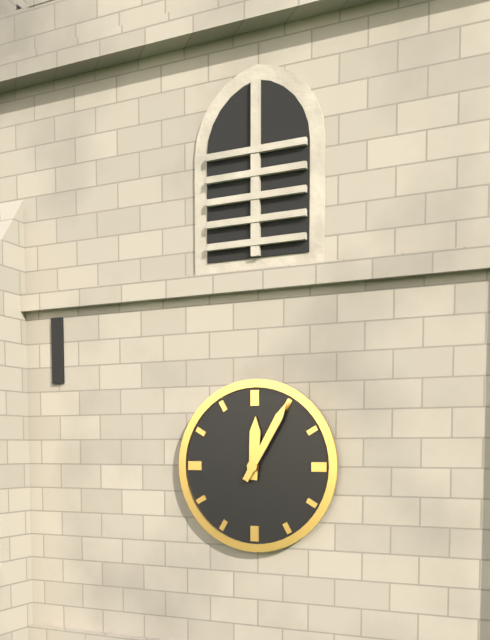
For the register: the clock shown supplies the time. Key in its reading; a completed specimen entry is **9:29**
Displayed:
**12:05**
